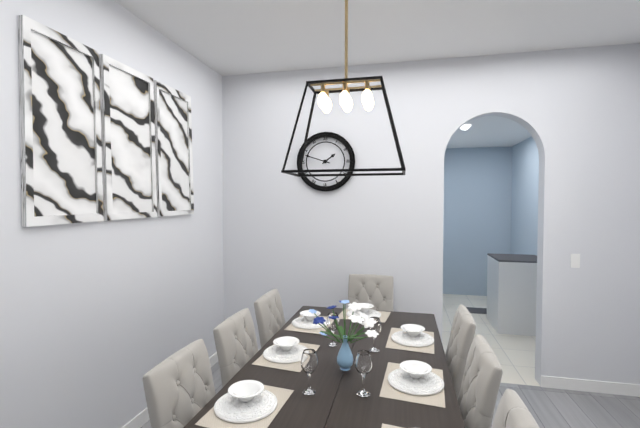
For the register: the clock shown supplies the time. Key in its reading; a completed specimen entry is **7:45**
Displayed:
**1:48**
